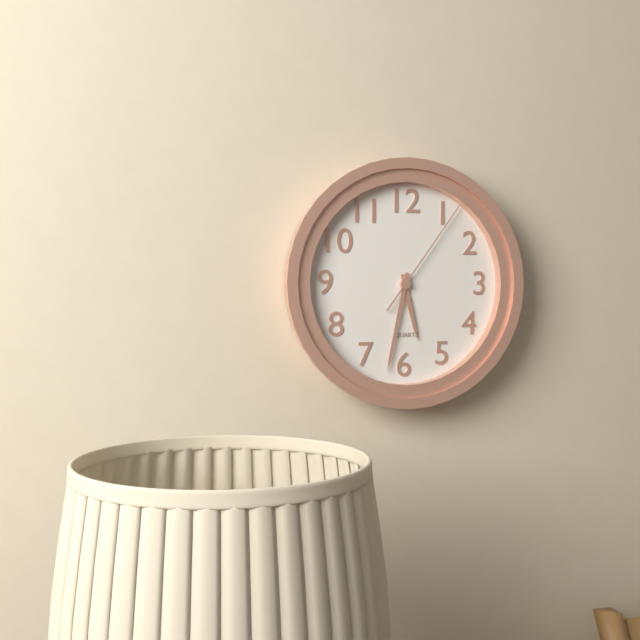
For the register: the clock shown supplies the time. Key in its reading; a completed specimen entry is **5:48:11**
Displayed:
**5:32:06**
